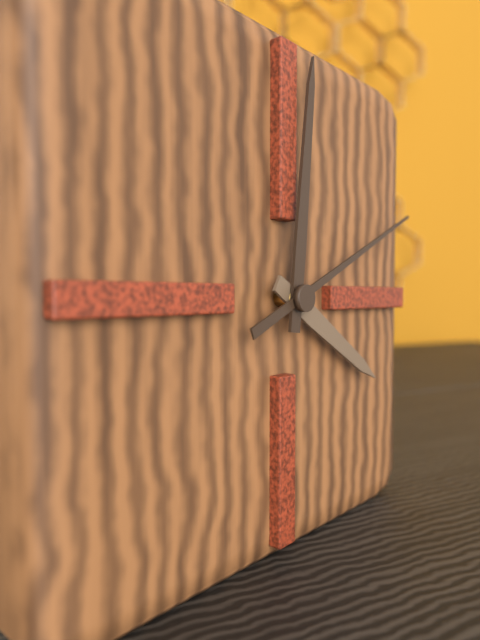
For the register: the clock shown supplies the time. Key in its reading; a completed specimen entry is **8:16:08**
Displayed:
**4:01:11**
